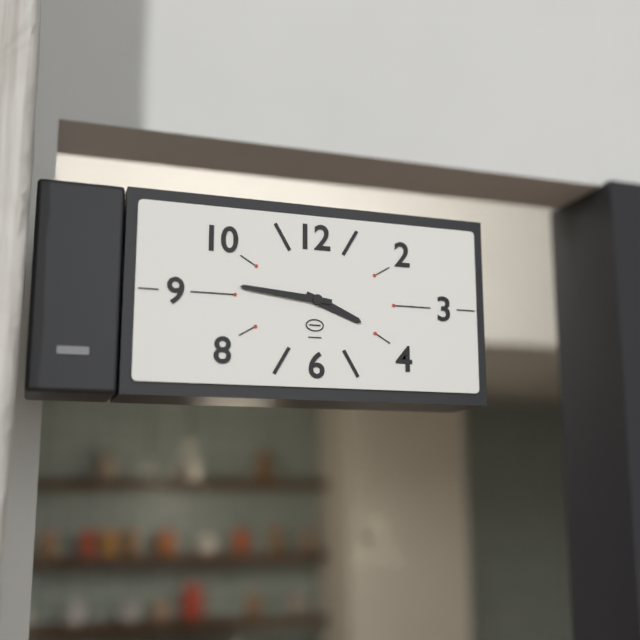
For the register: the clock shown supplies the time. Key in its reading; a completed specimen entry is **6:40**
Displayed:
**3:46**
